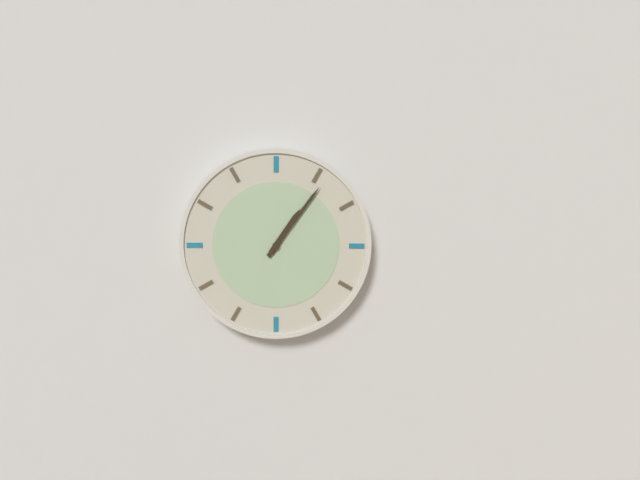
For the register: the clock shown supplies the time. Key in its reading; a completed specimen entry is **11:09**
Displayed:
**1:06**
